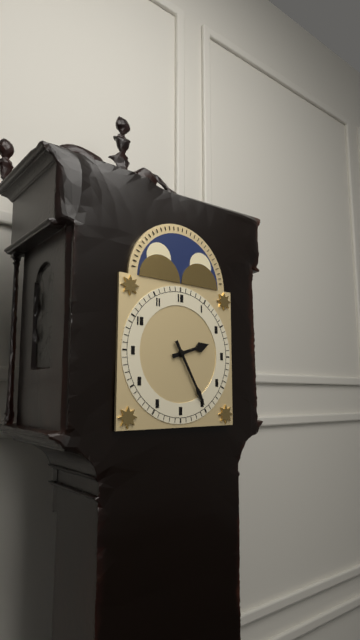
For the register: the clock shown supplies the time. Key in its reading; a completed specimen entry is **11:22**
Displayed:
**2:25**
